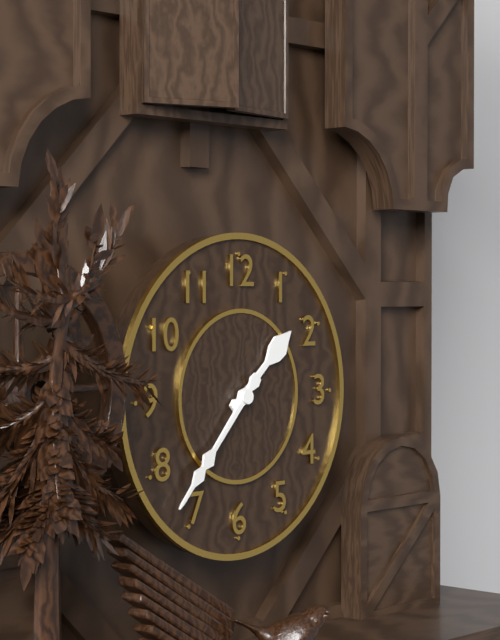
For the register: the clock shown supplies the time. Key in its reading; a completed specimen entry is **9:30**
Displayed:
**1:37**
